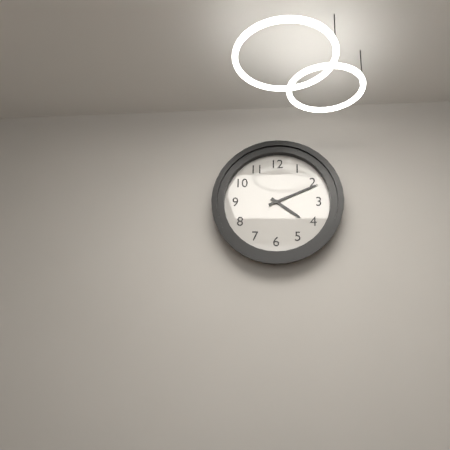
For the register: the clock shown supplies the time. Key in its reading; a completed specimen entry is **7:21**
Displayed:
**4:11**
